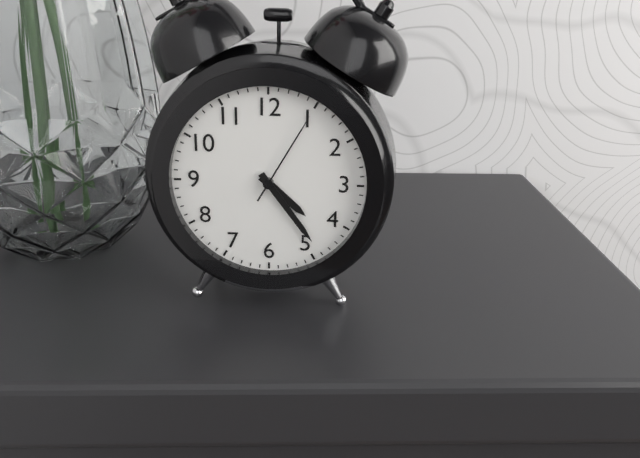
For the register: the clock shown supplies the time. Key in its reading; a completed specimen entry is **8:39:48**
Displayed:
**4:24:05**
